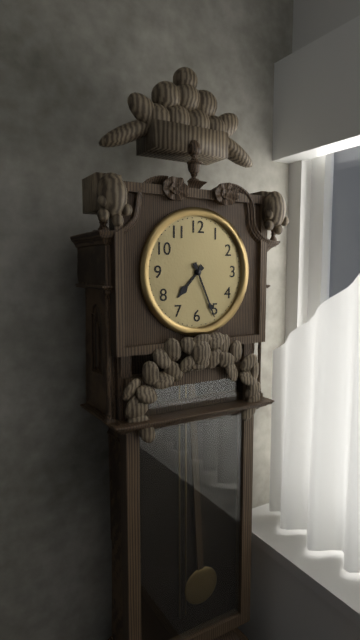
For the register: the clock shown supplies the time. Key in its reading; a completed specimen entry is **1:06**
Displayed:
**7:26**
